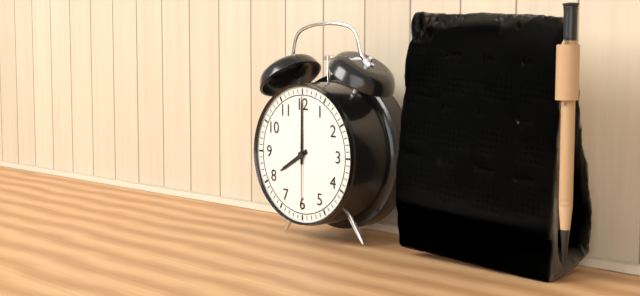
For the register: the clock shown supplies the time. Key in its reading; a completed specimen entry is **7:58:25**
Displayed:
**8:00:30**
